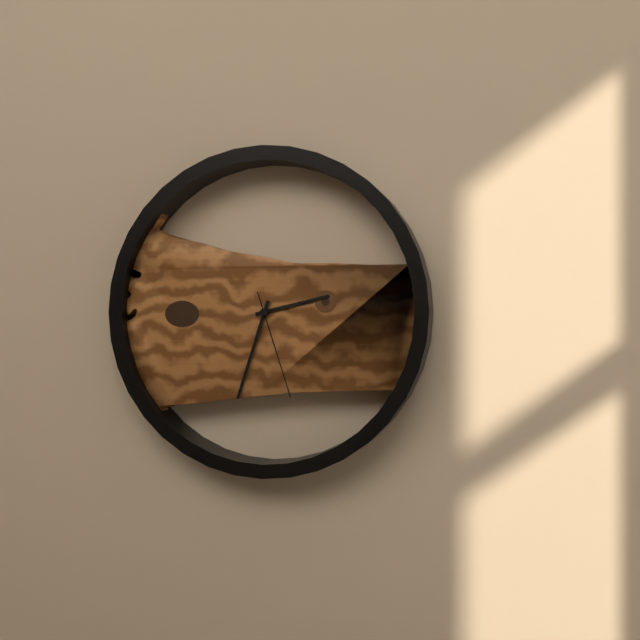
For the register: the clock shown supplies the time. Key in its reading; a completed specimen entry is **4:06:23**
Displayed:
**2:33:27**
